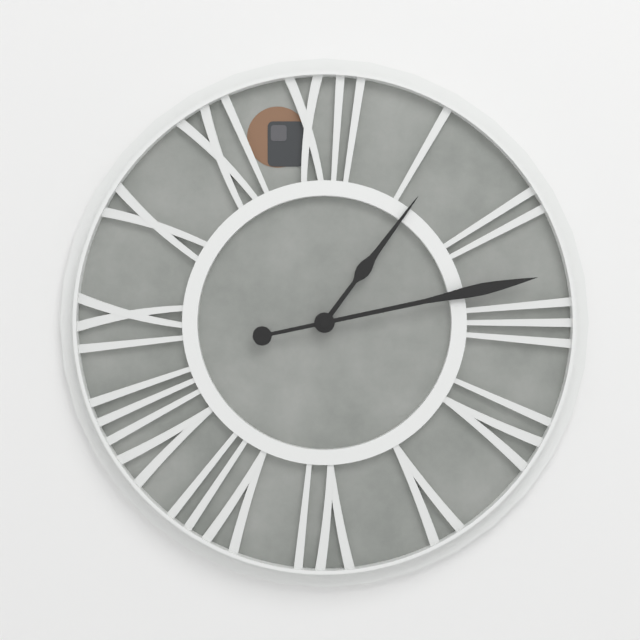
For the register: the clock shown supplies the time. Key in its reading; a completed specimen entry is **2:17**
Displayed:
**1:13**
